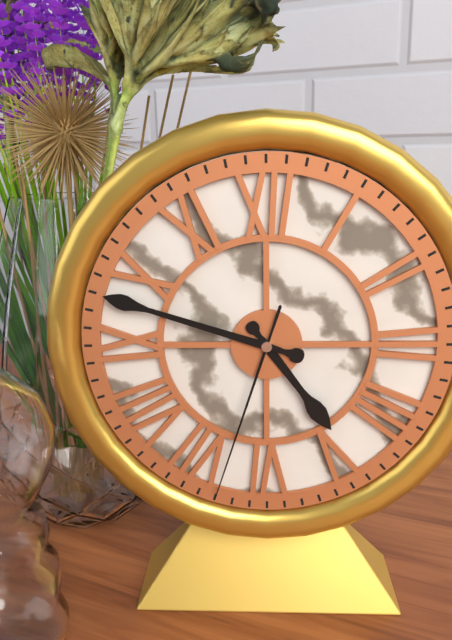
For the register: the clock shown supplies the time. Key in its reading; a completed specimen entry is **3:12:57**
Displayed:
**4:48:33**
